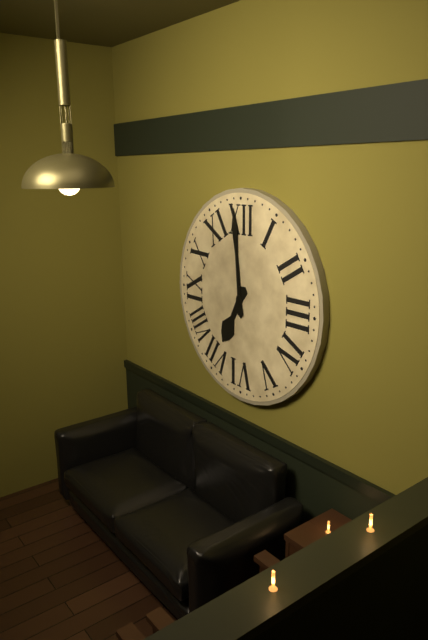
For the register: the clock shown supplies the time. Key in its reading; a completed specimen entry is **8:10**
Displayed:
**6:59**
